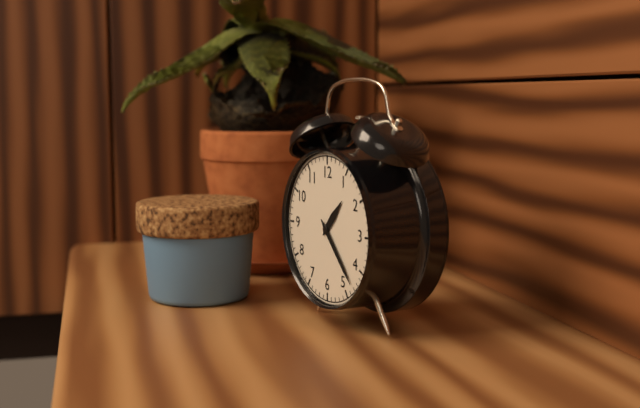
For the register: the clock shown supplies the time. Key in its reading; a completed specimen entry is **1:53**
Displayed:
**1:23**
